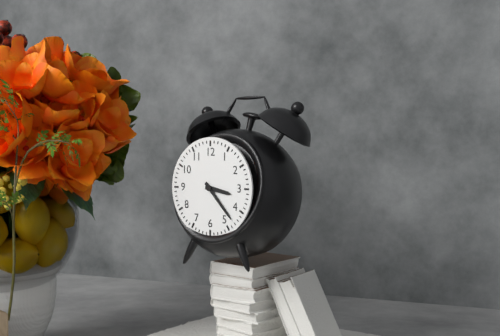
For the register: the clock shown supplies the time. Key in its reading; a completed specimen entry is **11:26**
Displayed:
**3:23**
